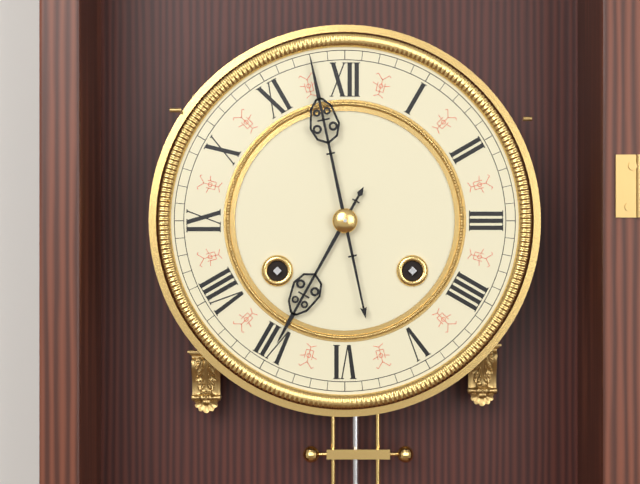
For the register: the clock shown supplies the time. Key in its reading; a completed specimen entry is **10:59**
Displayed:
**6:58**
